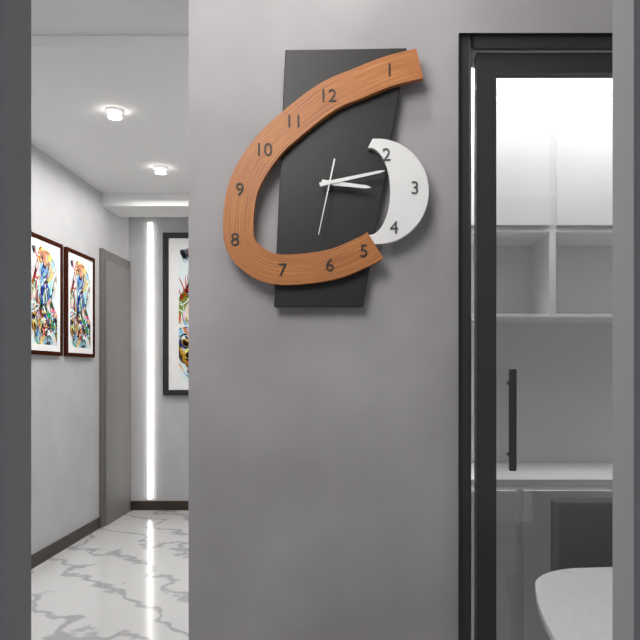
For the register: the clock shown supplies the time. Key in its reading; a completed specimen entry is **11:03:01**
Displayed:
**3:13:32**
